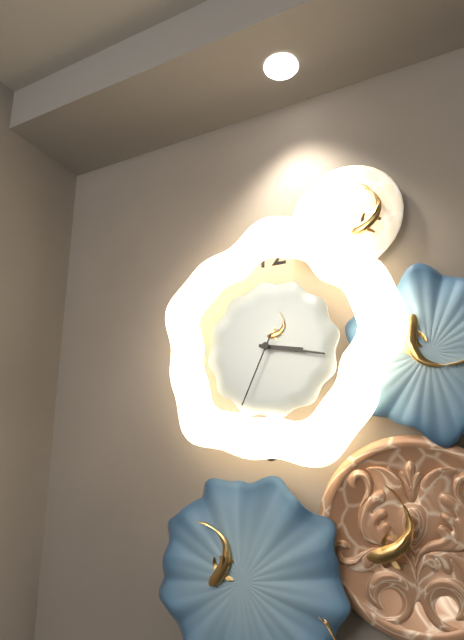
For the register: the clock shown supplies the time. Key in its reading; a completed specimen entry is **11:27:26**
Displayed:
**3:17:34**
